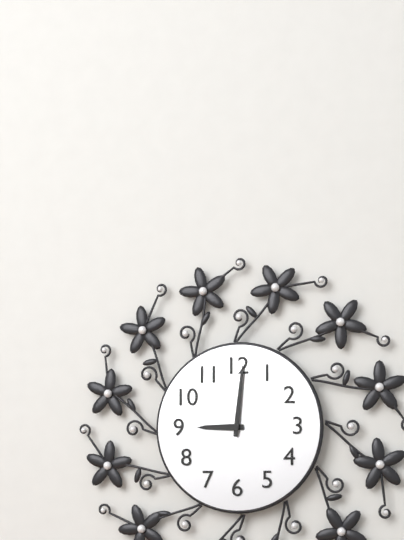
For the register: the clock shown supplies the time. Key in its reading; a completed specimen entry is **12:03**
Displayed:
**9:01**
